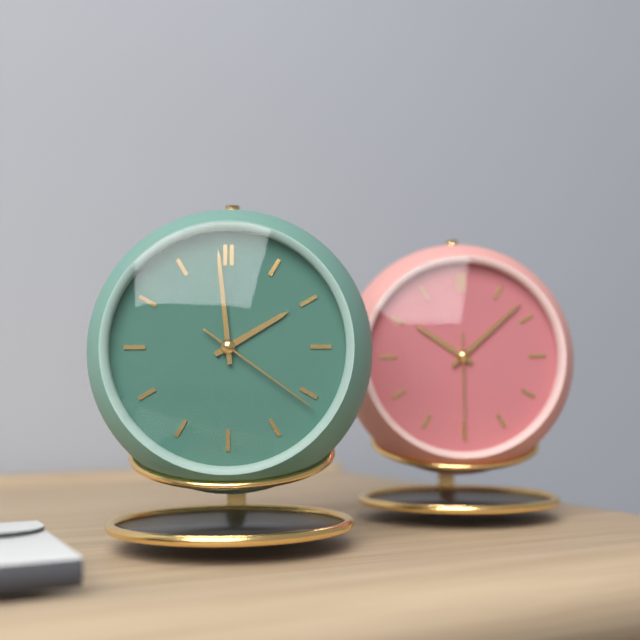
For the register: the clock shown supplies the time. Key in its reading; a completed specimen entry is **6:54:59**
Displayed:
**1:59:21**
